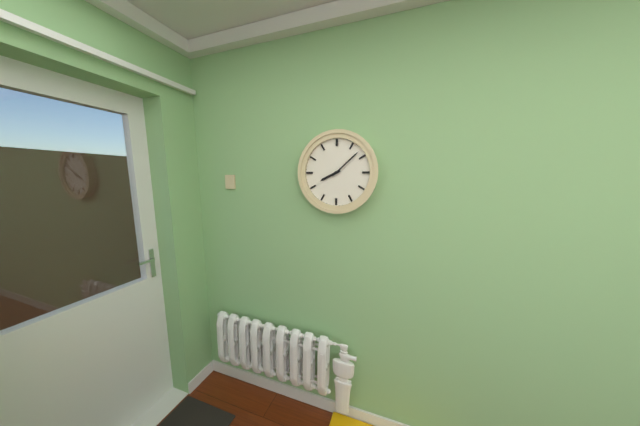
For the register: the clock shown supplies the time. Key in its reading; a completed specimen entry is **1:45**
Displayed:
**8:08**
